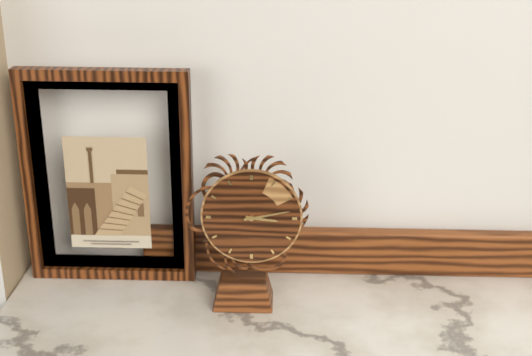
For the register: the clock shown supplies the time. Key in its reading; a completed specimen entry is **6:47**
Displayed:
**3:13**
